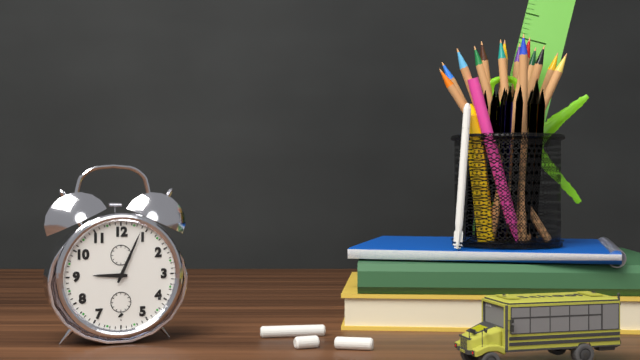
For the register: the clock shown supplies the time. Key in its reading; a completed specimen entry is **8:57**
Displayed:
**9:04**
